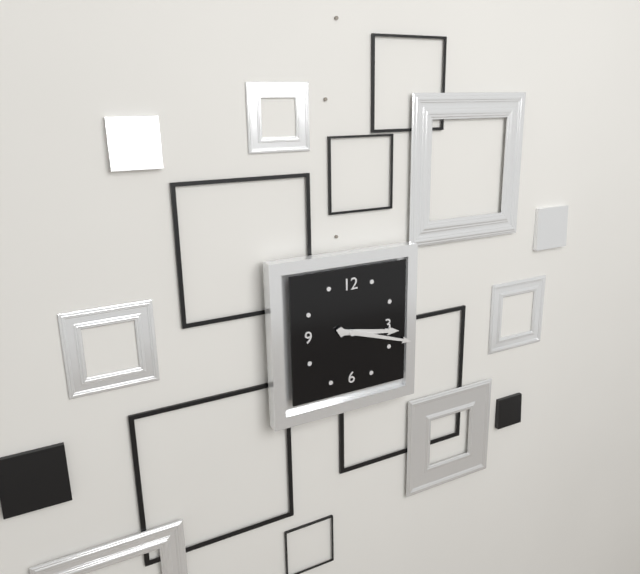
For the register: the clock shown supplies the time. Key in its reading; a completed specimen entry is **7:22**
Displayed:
**3:18**
